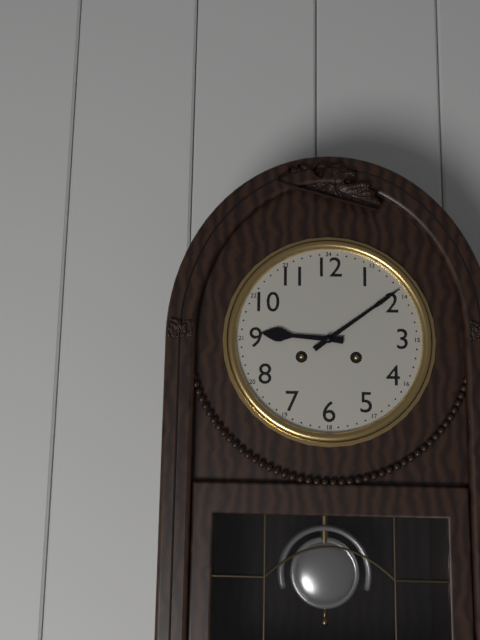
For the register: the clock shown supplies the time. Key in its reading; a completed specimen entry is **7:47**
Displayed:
**9:09**
